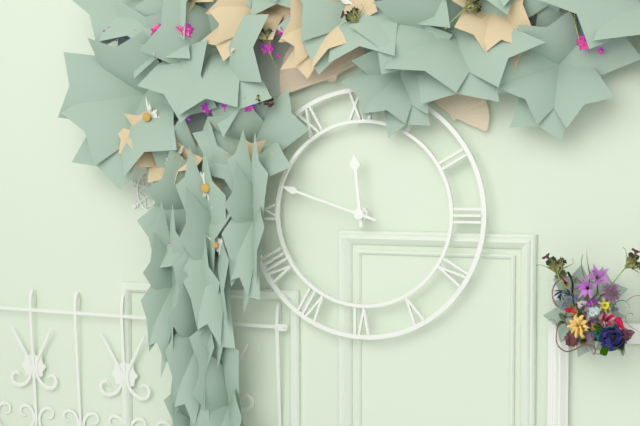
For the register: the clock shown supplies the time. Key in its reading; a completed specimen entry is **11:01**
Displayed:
**11:48**
